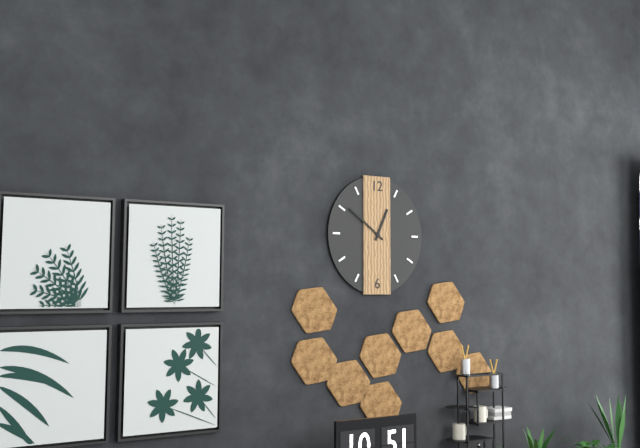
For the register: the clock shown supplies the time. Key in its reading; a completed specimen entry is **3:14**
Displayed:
**12:51**
